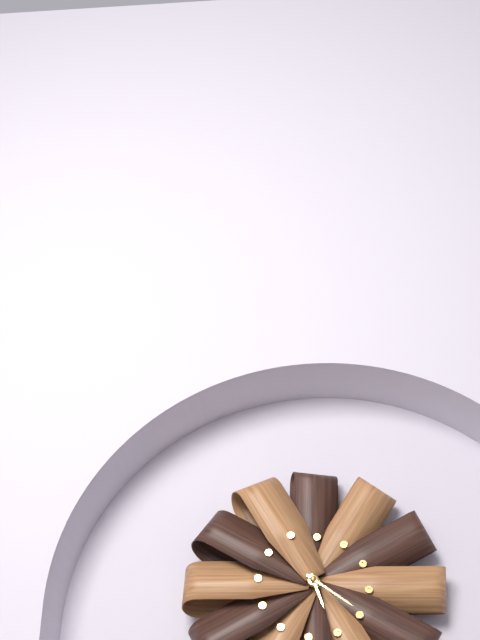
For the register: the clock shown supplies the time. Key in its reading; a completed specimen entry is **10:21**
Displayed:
**5:21**
